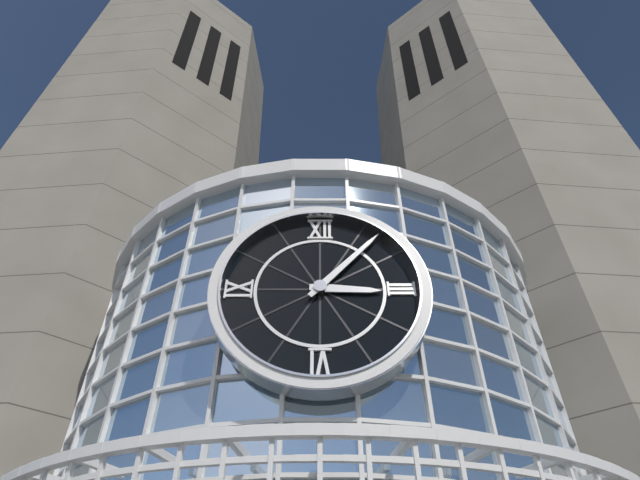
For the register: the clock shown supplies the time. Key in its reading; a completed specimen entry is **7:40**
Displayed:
**3:07**
